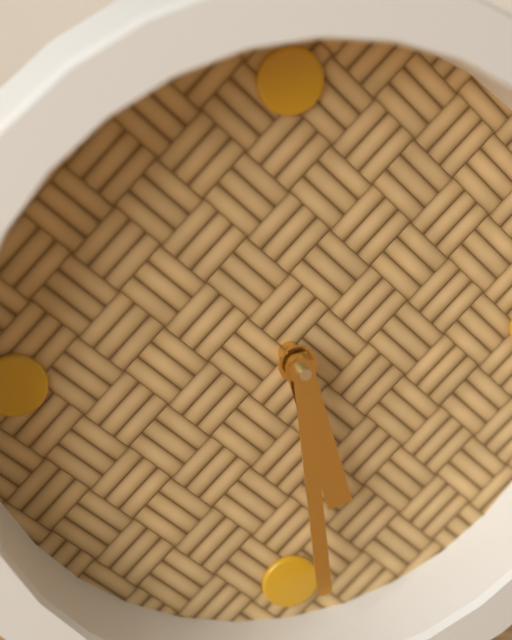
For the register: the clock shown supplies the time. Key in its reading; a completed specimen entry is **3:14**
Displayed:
**5:29**
